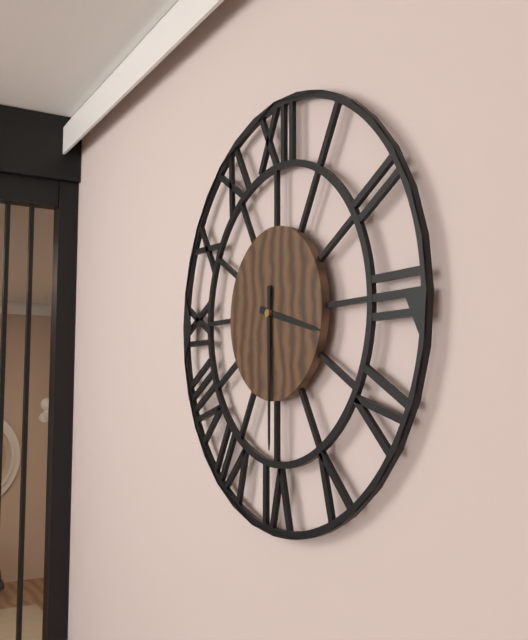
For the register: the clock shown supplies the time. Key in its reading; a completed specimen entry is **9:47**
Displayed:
**3:30**
